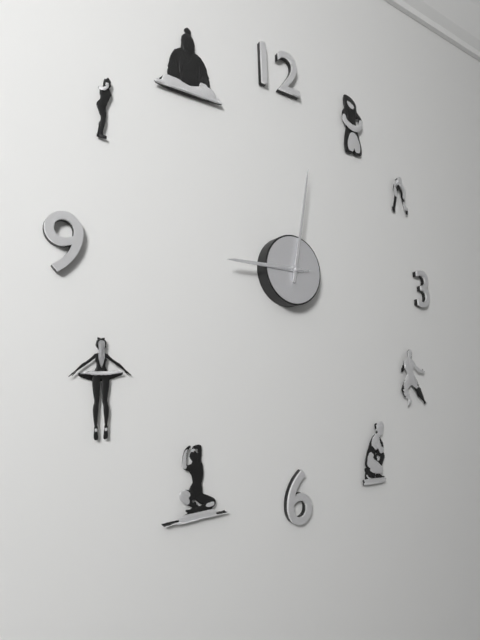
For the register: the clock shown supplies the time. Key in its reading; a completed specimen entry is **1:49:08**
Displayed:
**9:02:45**
